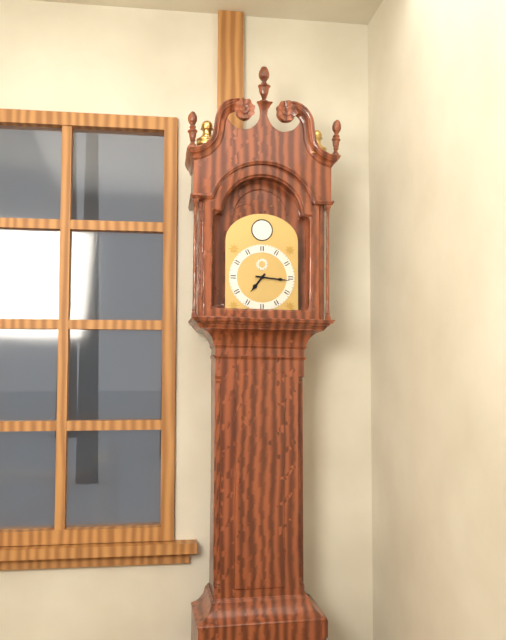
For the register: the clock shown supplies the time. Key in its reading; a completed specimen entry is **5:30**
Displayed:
**7:16**
